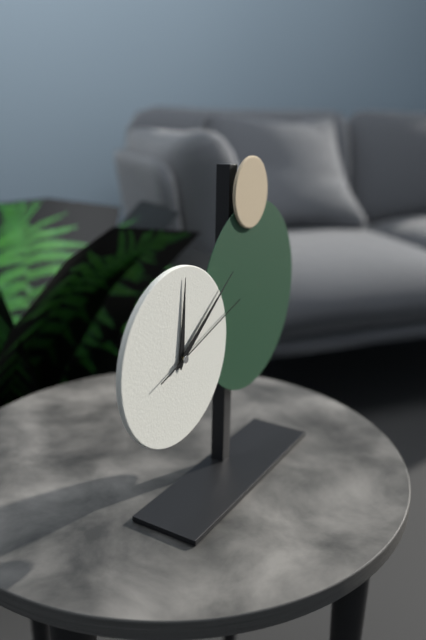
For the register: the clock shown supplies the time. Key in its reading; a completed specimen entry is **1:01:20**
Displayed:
**12:09:12**
